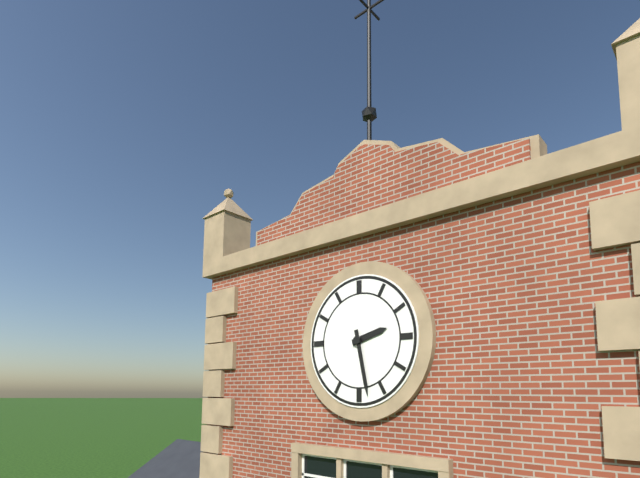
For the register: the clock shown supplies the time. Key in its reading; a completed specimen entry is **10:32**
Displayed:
**2:28**
